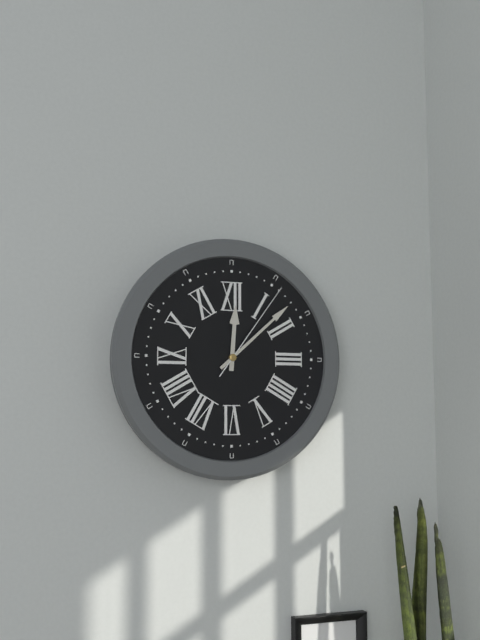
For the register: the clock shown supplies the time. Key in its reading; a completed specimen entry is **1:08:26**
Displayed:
**12:08:06**
